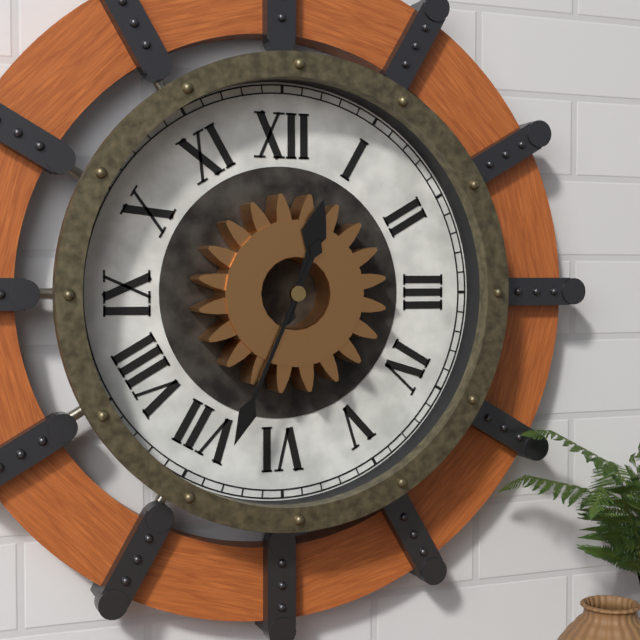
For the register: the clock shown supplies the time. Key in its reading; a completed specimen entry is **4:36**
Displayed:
**12:34**
